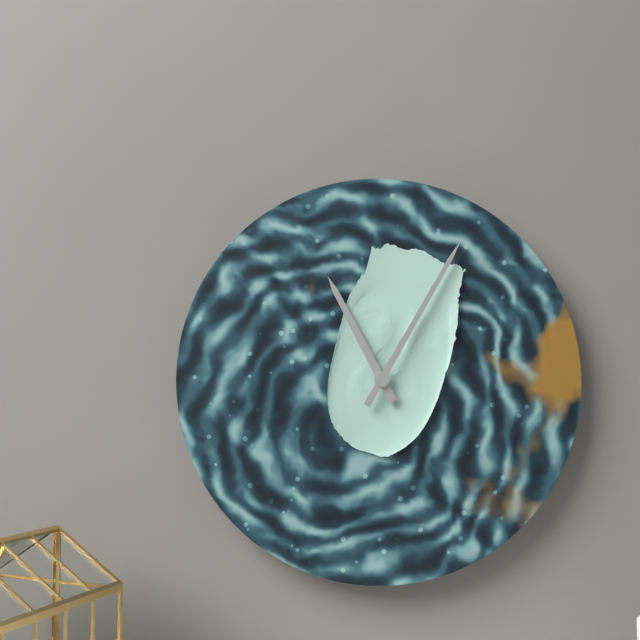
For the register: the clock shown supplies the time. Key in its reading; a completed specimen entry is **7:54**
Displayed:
**11:05**
